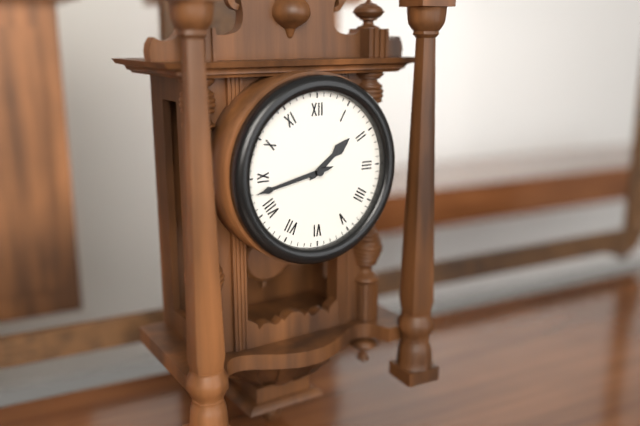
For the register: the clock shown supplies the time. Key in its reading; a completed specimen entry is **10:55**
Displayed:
**1:43**
